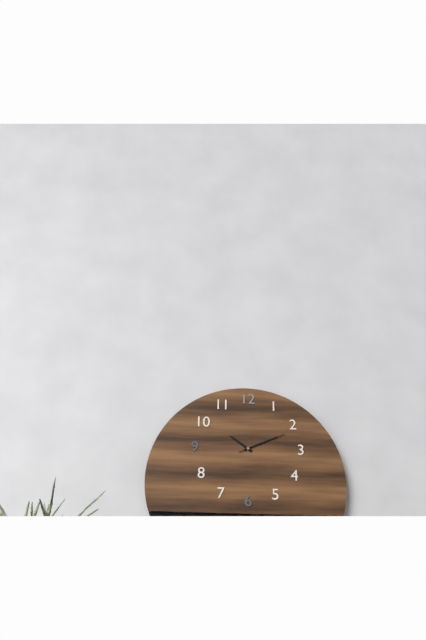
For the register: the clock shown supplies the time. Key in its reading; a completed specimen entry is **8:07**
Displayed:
**10:11**
